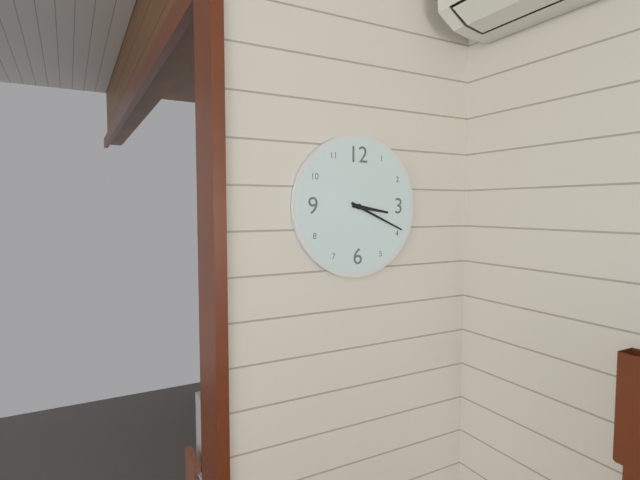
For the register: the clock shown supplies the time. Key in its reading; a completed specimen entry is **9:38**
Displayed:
**3:19**
